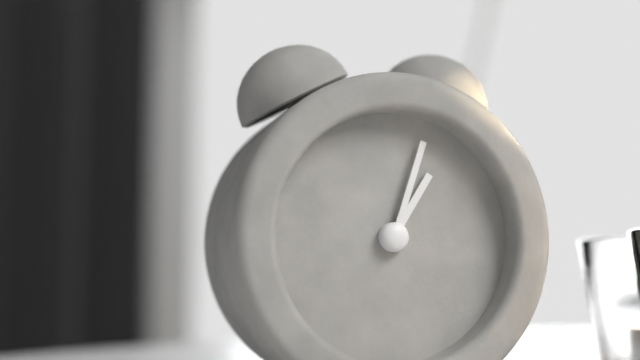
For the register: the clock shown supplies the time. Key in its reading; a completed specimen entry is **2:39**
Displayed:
**1:03**
